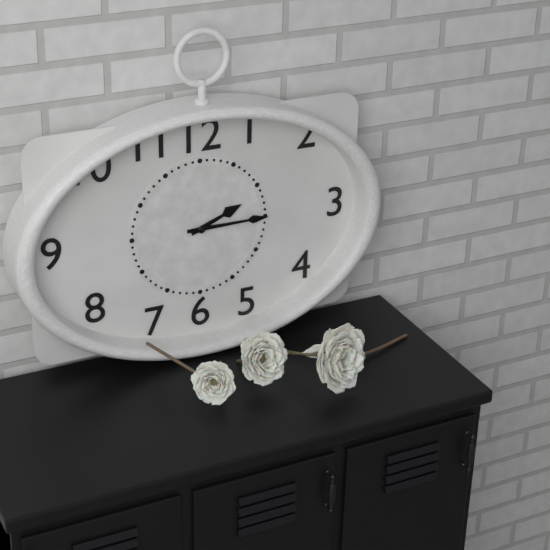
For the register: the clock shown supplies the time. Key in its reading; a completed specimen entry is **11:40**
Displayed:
**2:15**
